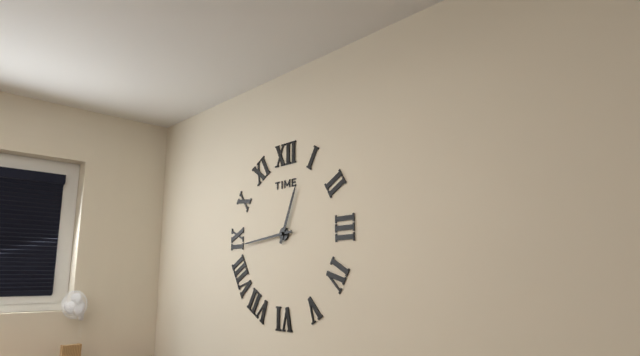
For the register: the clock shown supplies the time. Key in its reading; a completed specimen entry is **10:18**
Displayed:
**12:44**
